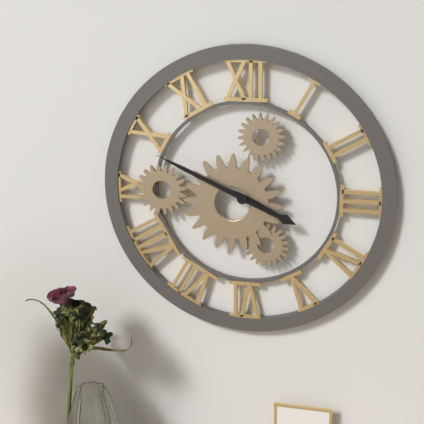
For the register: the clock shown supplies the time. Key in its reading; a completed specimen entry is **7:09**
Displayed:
**3:49**
